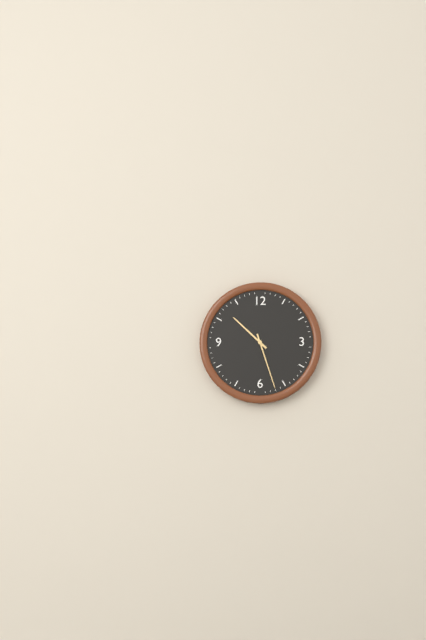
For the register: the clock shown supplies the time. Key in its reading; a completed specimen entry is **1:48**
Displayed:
**10:27**
